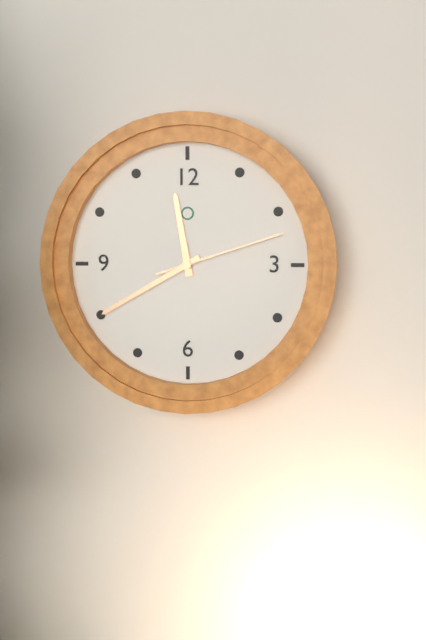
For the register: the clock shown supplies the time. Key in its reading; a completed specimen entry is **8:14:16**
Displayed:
**11:40:12**
